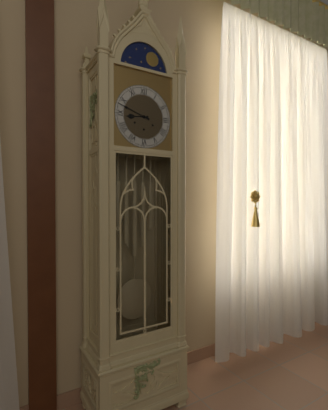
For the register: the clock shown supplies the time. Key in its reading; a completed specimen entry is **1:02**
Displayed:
**8:48**
